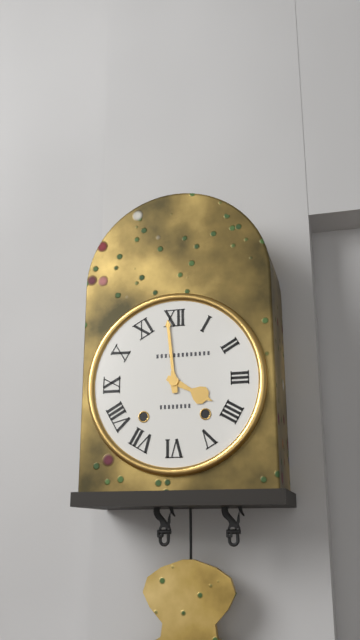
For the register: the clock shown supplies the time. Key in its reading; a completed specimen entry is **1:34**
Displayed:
**3:59**
